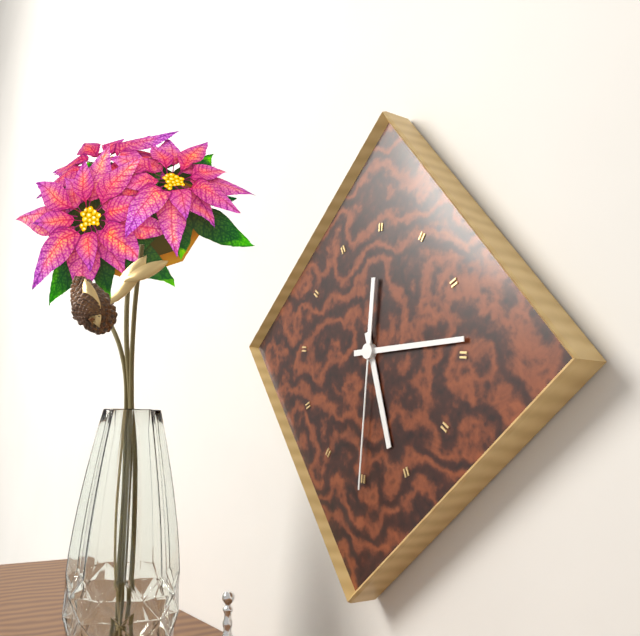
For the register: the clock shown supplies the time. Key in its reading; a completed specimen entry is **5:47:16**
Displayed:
**5:14:30**
